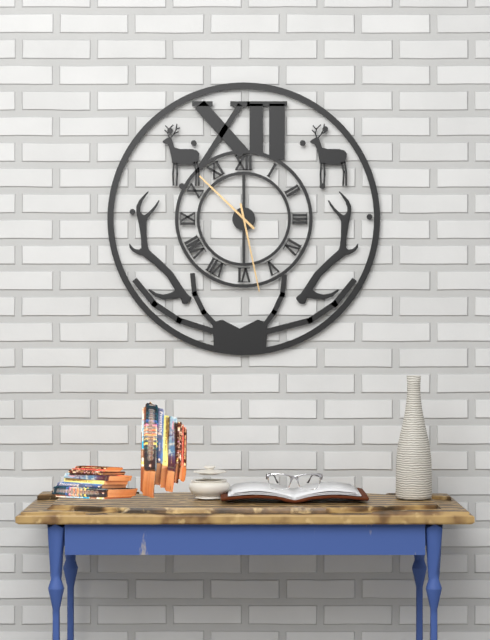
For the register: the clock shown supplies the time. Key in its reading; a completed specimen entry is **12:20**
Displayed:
**10:28**
